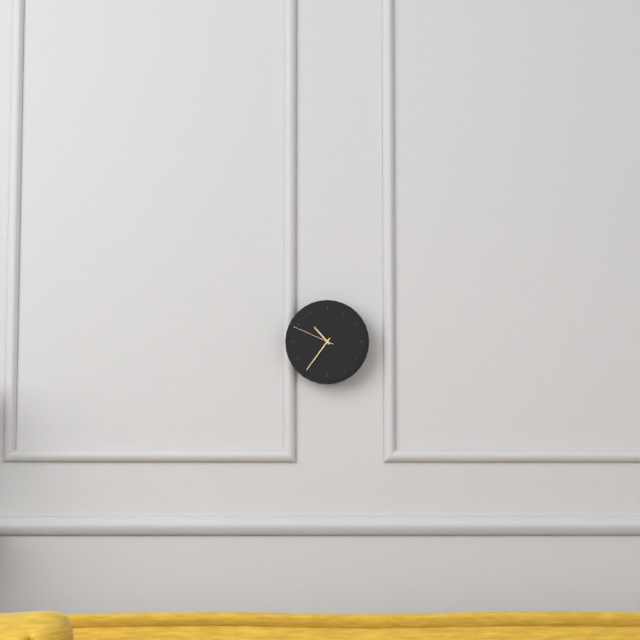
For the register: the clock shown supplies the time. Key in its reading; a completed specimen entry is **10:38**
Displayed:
**10:36**
